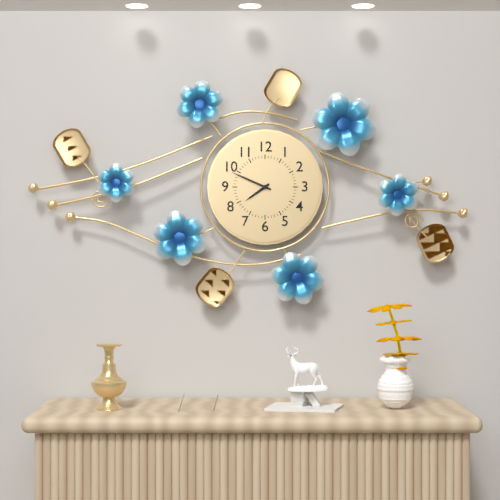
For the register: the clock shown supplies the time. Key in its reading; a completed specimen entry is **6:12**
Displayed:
**7:49**
